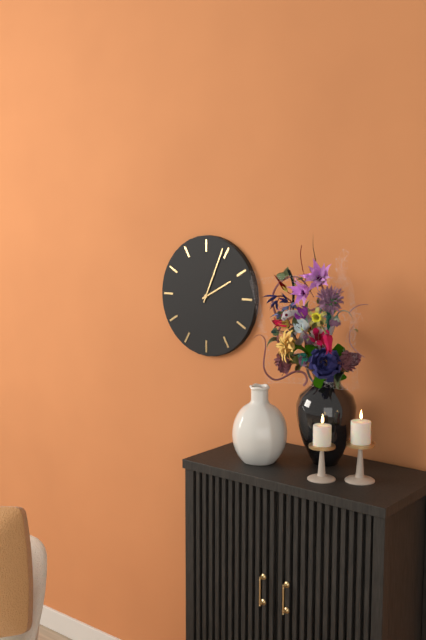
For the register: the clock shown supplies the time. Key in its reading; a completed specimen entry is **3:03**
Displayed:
**2:04**
